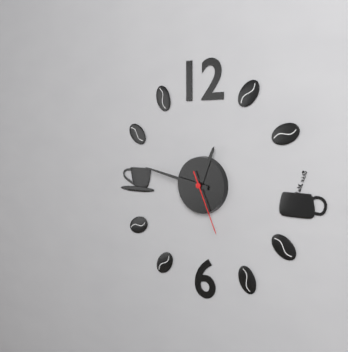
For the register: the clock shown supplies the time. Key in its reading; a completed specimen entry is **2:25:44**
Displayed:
**12:47:26**
